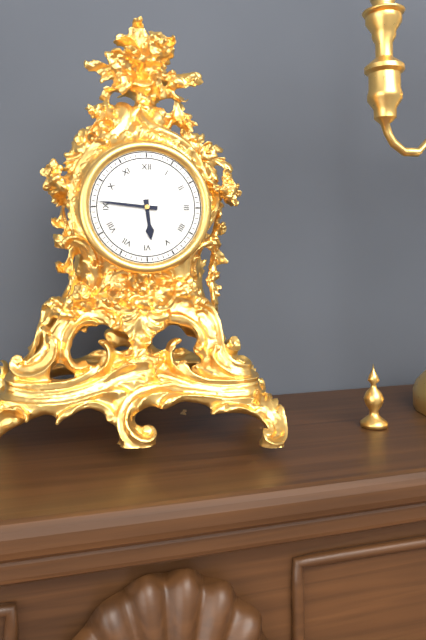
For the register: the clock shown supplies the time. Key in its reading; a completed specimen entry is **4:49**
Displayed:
**5:46**
